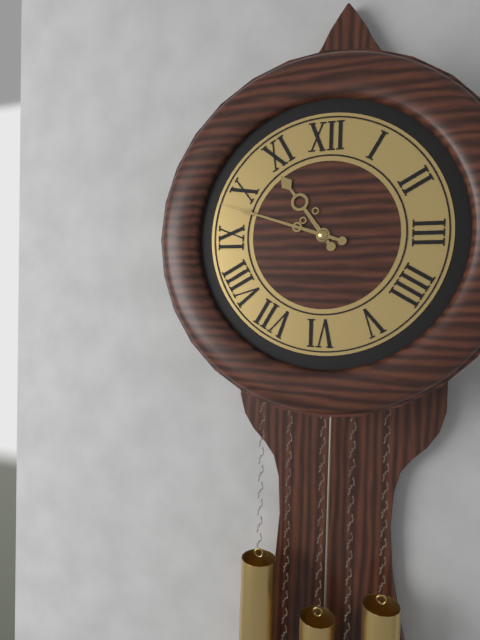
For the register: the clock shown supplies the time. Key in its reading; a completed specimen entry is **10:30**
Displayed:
**10:48**
